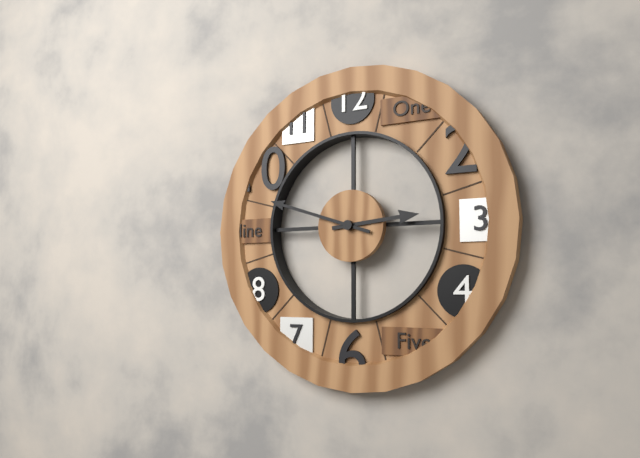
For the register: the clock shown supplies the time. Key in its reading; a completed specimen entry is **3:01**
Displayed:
**2:48**
